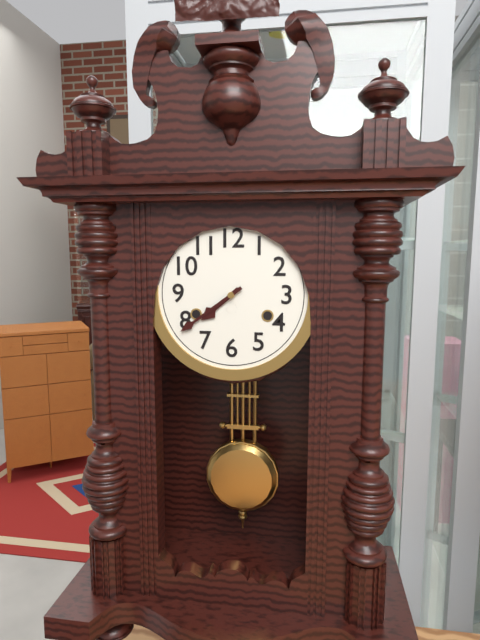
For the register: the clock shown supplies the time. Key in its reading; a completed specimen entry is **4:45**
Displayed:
**7:39**
